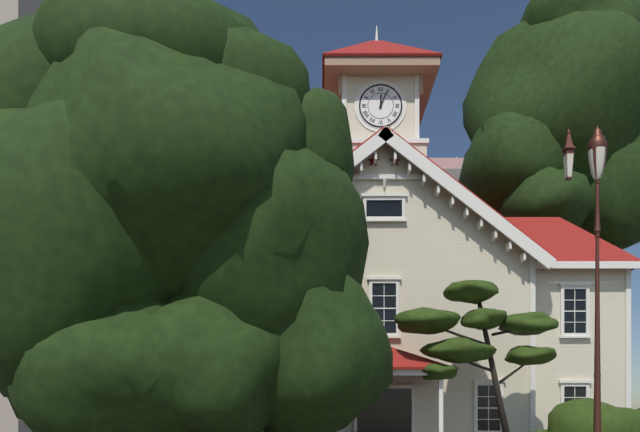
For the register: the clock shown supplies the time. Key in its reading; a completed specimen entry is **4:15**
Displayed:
**12:04**
